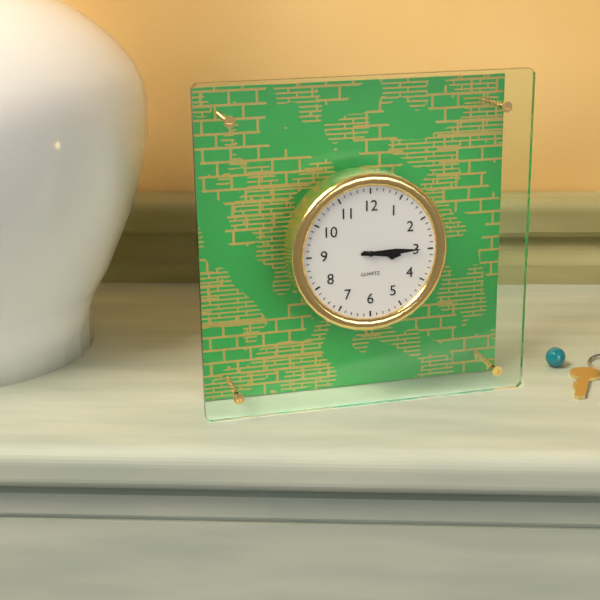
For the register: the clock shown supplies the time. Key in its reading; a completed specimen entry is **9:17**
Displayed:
**3:15**
